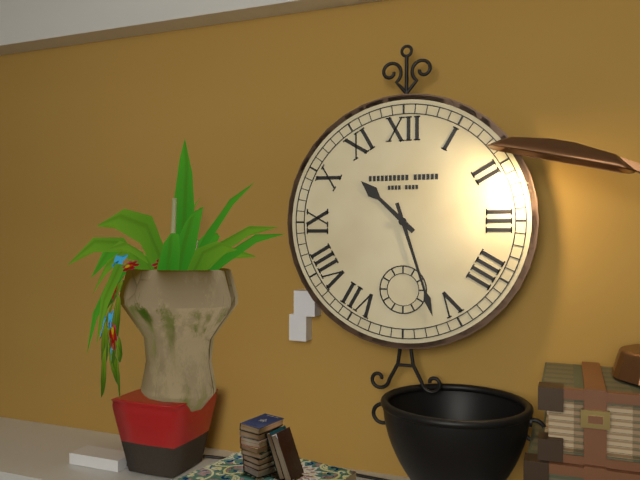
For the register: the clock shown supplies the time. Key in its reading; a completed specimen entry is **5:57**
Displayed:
**10:27**
